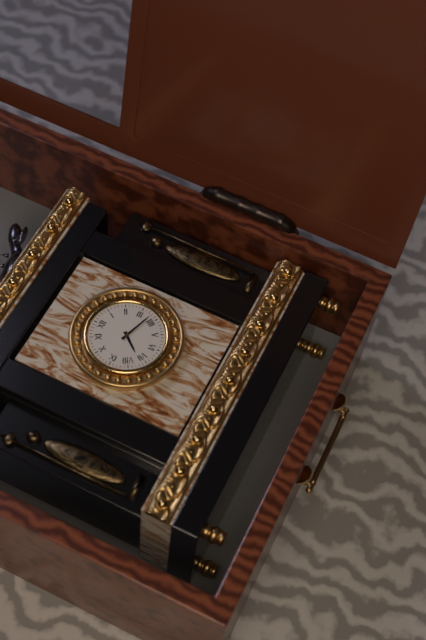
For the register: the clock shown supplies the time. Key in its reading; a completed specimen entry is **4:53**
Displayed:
**7:18**
